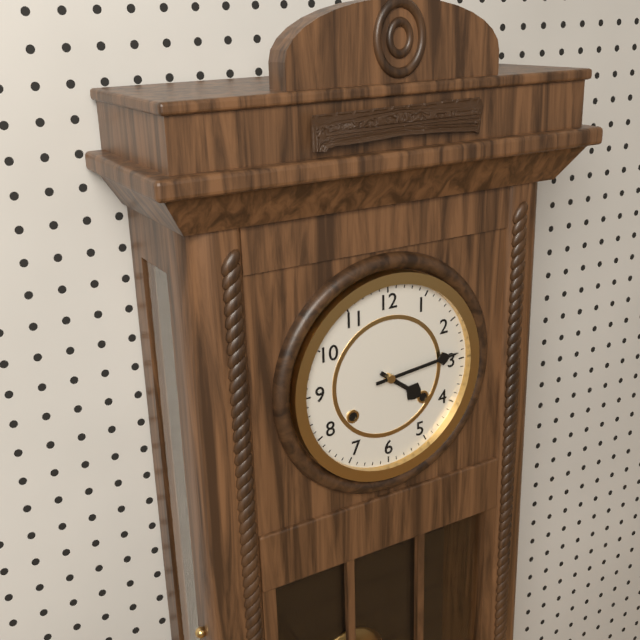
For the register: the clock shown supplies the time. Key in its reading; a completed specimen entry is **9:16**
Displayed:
**4:14**
